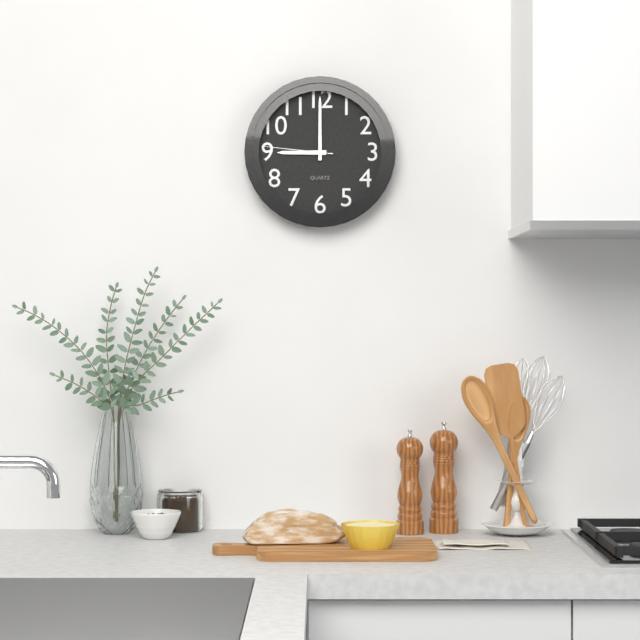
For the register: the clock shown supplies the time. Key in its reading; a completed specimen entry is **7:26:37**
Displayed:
**9:00:46**
